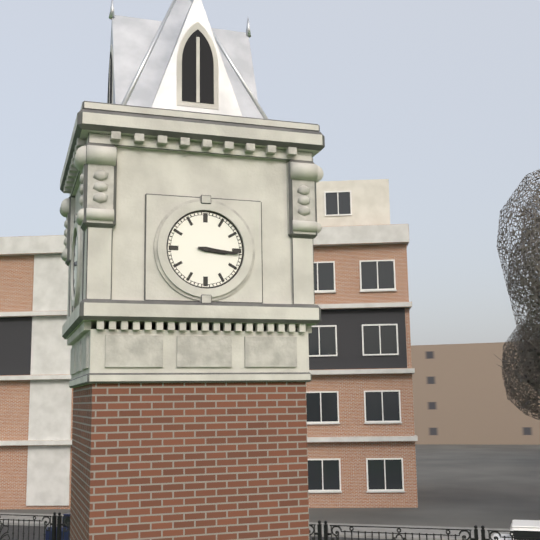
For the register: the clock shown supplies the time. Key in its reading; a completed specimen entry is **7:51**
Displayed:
**3:16**
